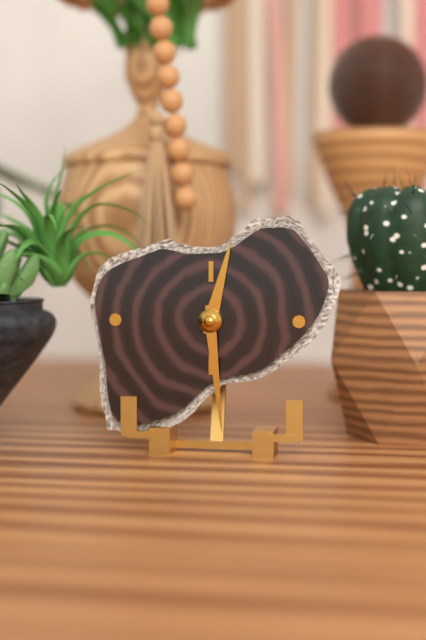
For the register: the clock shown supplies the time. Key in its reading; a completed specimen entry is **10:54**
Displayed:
**12:29**
